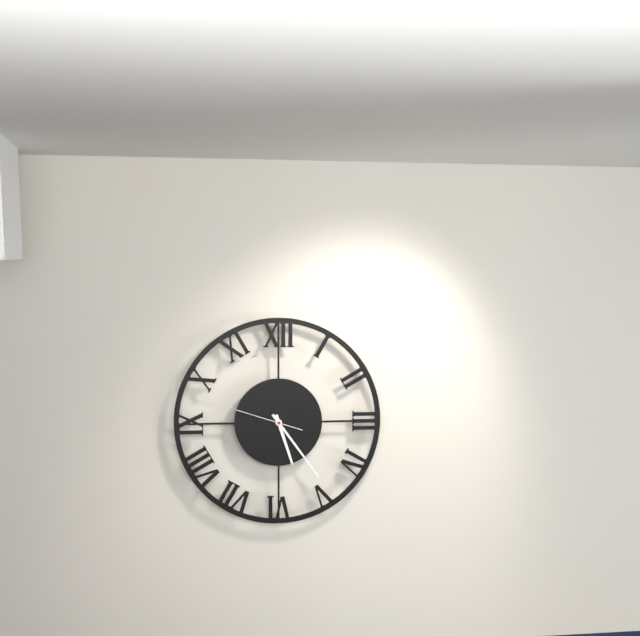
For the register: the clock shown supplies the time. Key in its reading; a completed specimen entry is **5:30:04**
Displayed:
**5:24:48**
